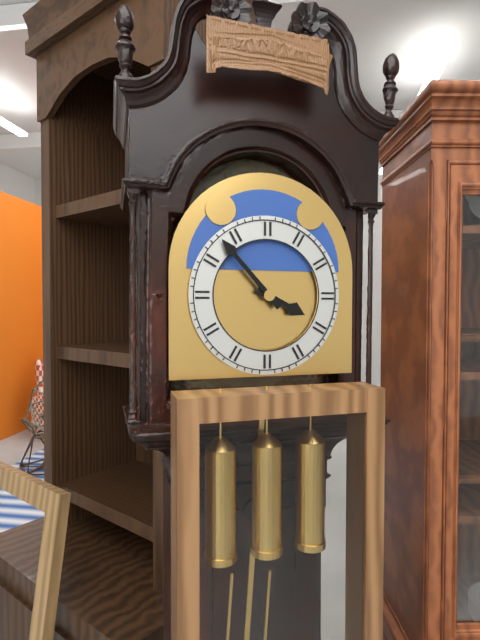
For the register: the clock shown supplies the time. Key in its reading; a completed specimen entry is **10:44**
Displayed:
**3:53**
